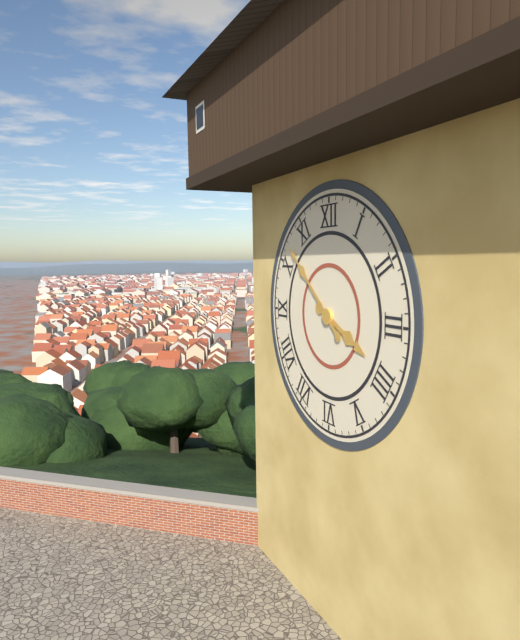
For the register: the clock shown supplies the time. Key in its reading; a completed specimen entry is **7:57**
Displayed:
**3:52**
